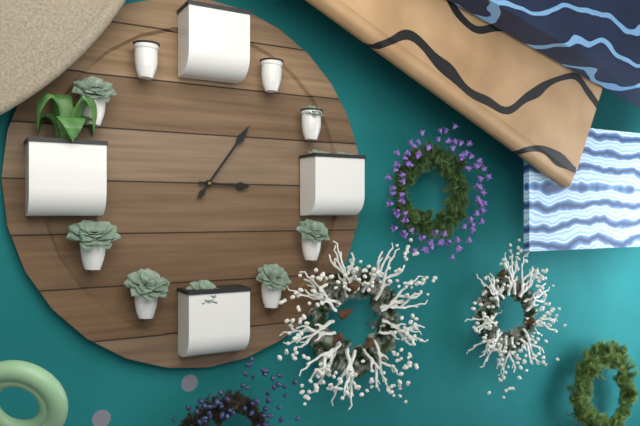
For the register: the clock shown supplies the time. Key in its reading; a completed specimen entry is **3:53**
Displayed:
**3:06**
